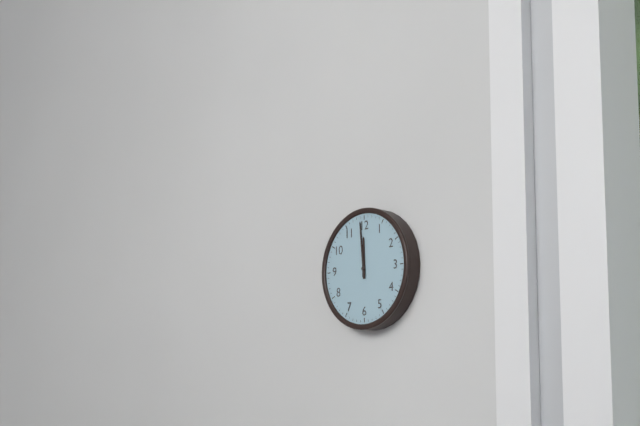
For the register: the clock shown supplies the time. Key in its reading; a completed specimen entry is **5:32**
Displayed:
**11:59**
